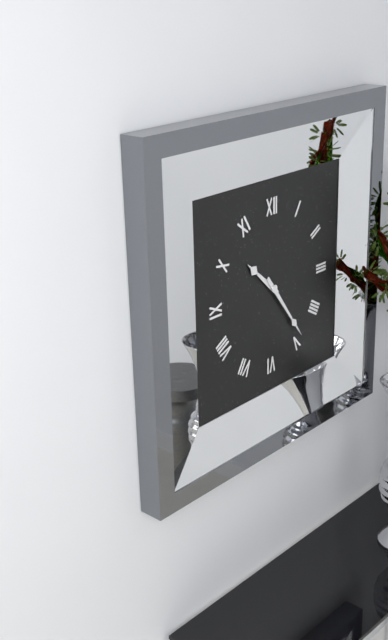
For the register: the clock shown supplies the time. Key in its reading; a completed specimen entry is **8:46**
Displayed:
**10:24**
